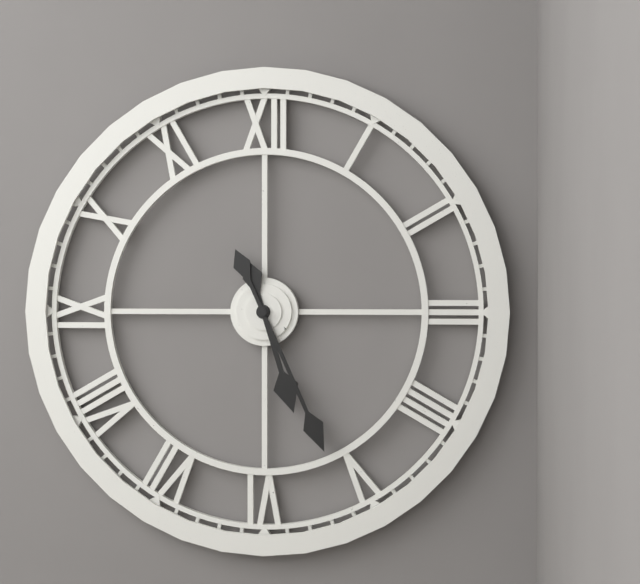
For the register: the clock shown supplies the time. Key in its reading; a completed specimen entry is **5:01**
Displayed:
**5:26**
